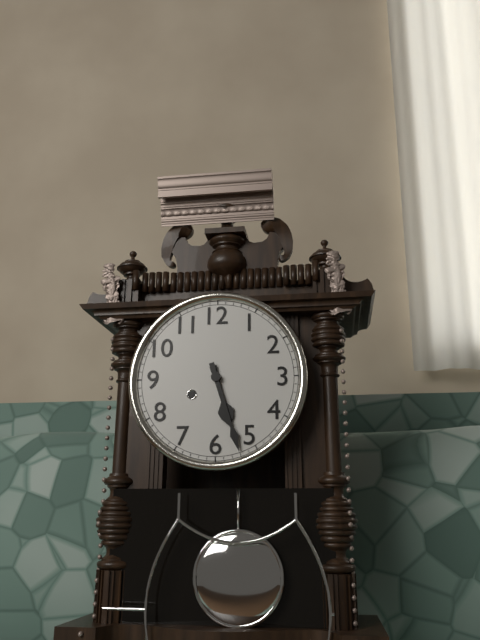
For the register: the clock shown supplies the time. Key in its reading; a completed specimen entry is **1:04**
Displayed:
**5:27**
